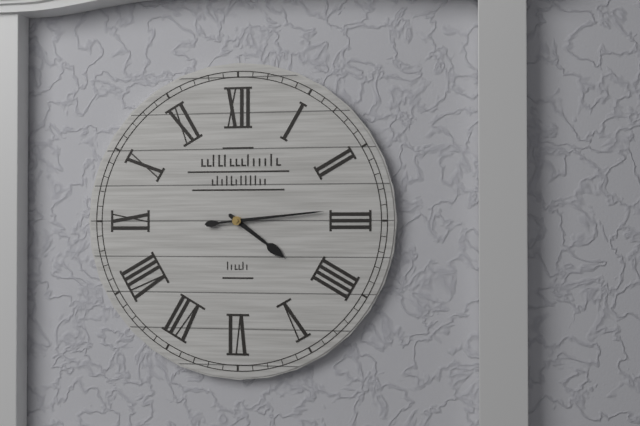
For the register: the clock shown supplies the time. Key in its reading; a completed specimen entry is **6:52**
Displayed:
**4:14**
